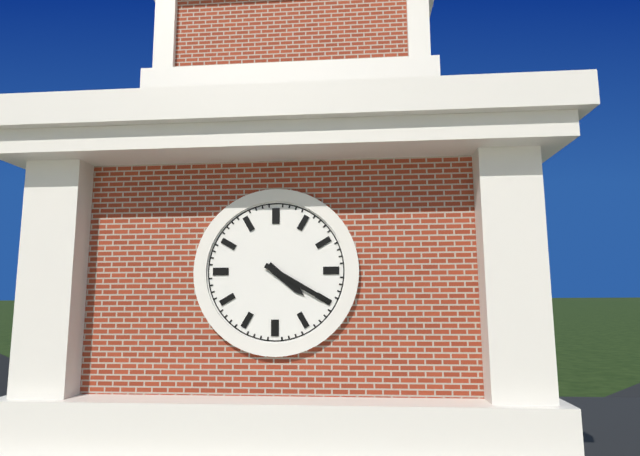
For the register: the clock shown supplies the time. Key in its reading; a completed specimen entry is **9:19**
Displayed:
**4:20**
